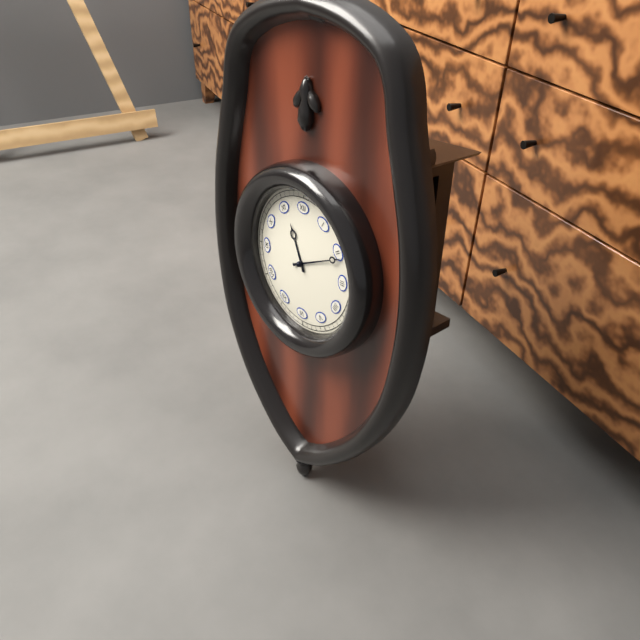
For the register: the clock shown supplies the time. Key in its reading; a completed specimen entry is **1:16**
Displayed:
**11:11**
